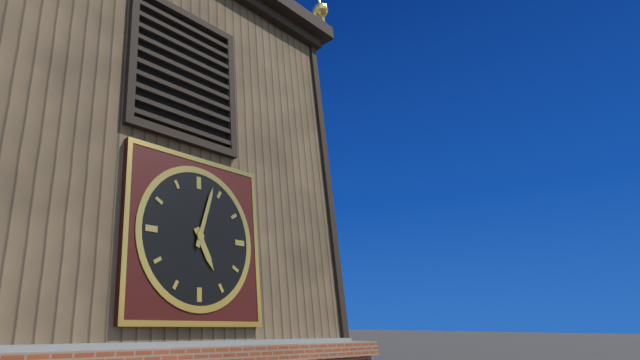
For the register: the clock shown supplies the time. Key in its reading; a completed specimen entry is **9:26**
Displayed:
**5:03**
